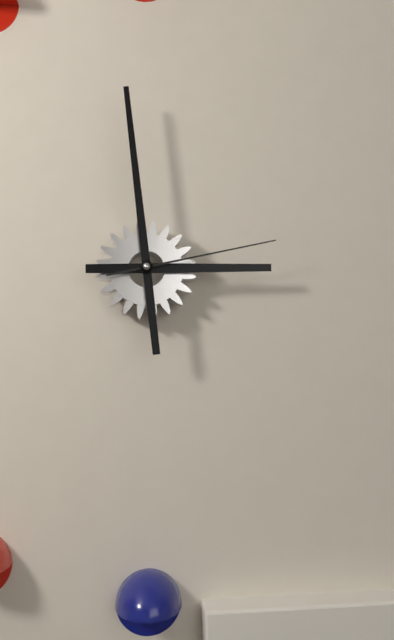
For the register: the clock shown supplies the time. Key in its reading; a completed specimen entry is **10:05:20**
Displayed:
**2:59:13**
